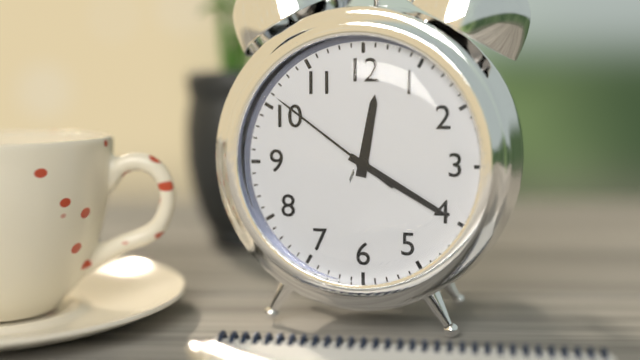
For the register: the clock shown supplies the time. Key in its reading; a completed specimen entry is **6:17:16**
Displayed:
**12:20:51**
